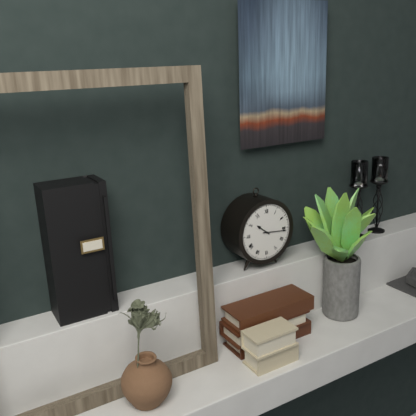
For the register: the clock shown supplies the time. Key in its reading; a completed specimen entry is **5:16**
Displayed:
**10:16**
